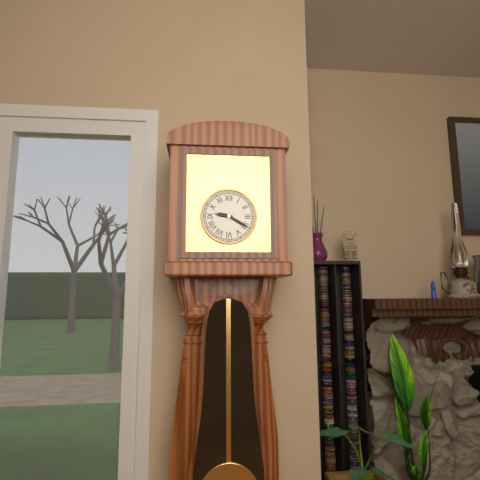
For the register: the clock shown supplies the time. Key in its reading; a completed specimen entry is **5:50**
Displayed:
**9:20**
